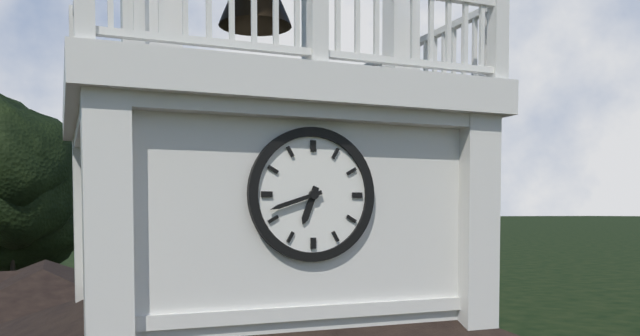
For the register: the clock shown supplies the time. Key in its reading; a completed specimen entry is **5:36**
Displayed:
**6:42**
